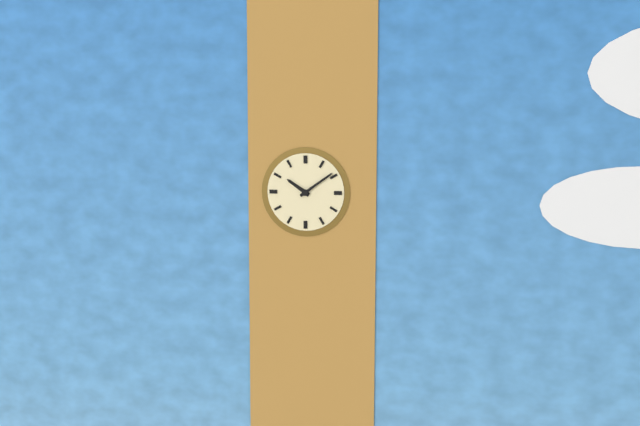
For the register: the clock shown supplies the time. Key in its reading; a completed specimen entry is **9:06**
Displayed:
**10:09**
